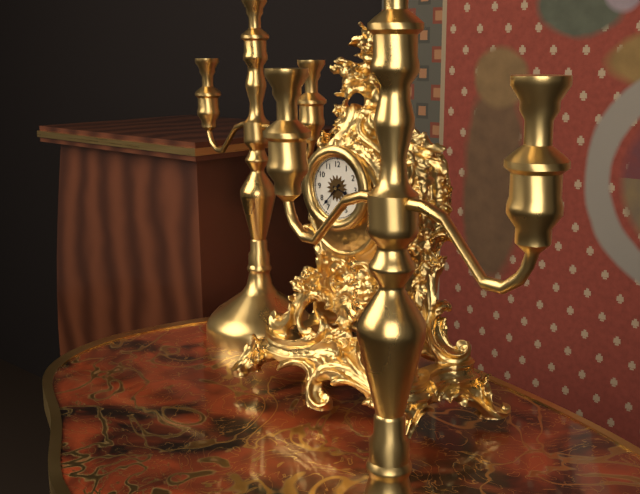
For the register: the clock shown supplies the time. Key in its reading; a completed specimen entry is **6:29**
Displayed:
**3:37**
